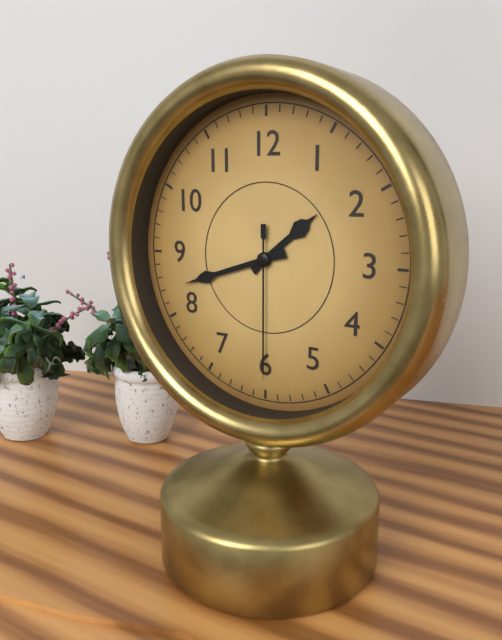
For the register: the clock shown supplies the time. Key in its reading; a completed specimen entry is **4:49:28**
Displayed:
**1:42:30**
